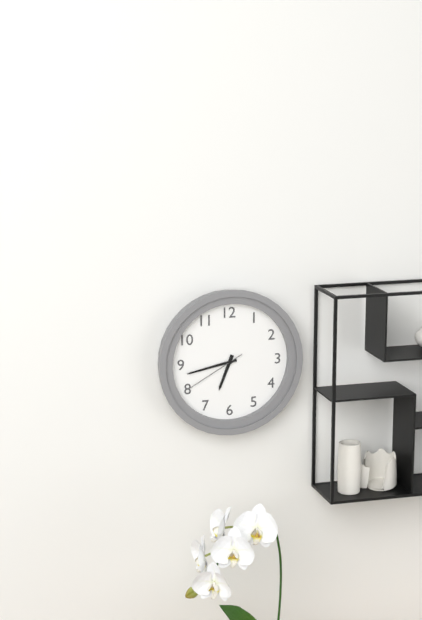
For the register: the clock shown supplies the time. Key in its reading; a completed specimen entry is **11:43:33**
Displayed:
**6:43:40**
